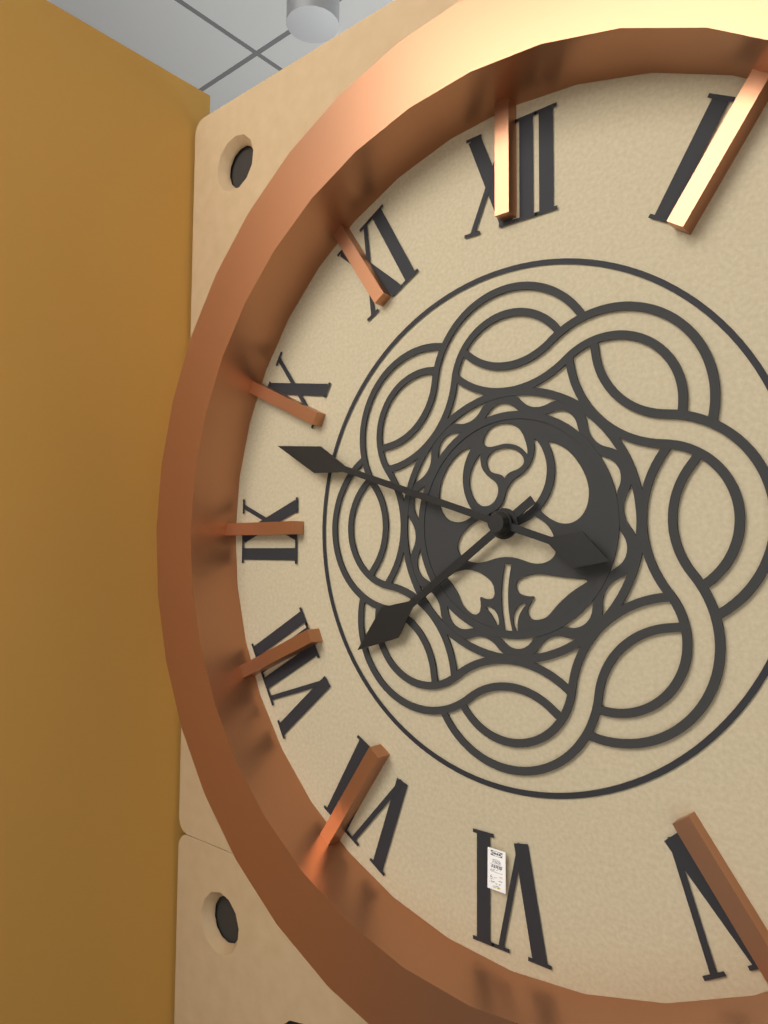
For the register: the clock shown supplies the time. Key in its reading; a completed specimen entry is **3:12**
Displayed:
**7:48**
